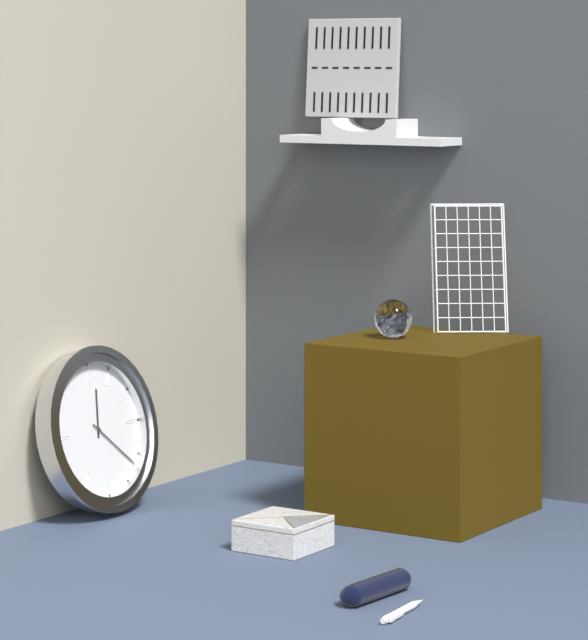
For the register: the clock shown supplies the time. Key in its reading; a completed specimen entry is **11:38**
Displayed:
**12:22**
